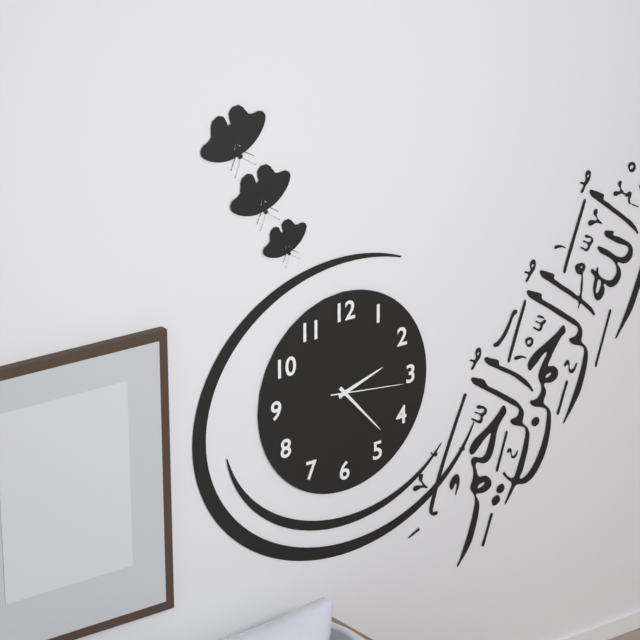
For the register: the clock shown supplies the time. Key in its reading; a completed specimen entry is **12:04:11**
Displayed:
**2:23:16**
